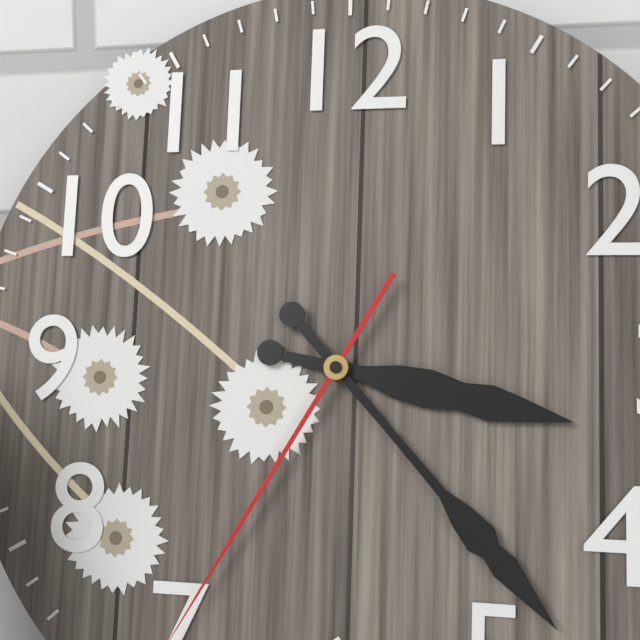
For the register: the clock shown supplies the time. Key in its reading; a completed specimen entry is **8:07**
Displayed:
**3:23**
